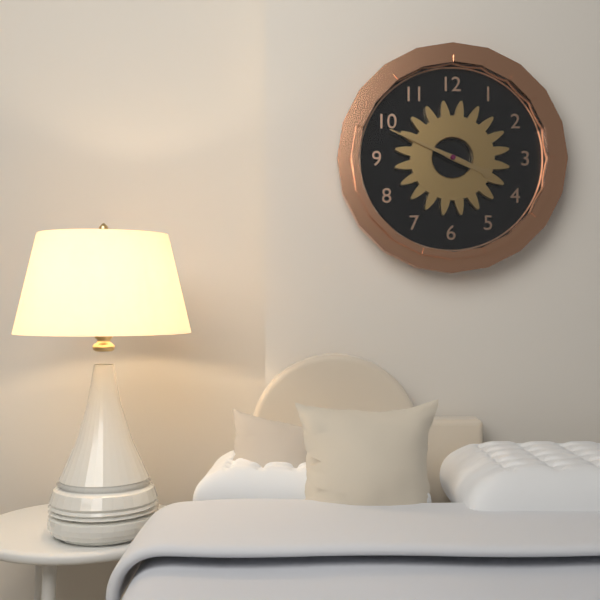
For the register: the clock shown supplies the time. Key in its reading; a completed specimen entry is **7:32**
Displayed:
**3:49**
